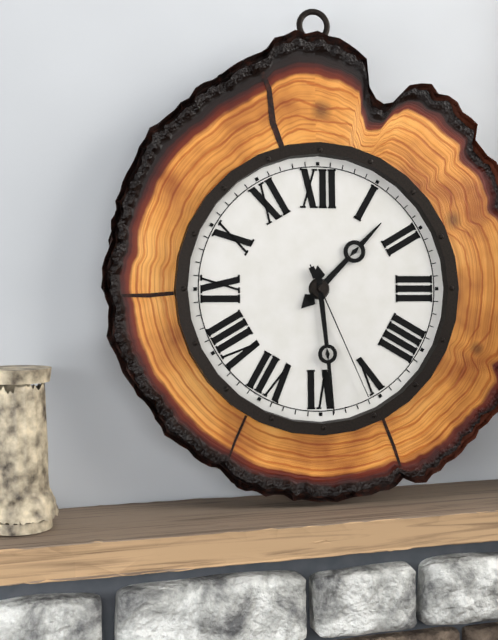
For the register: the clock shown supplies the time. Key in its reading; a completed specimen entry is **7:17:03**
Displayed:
**1:29:26**
